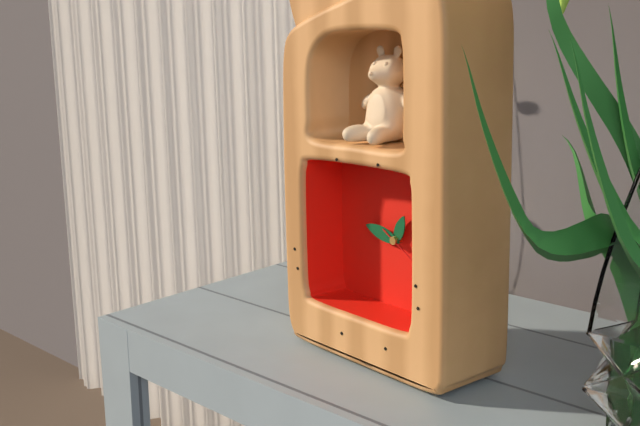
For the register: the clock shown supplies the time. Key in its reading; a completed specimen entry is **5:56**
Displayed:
**12:47**
